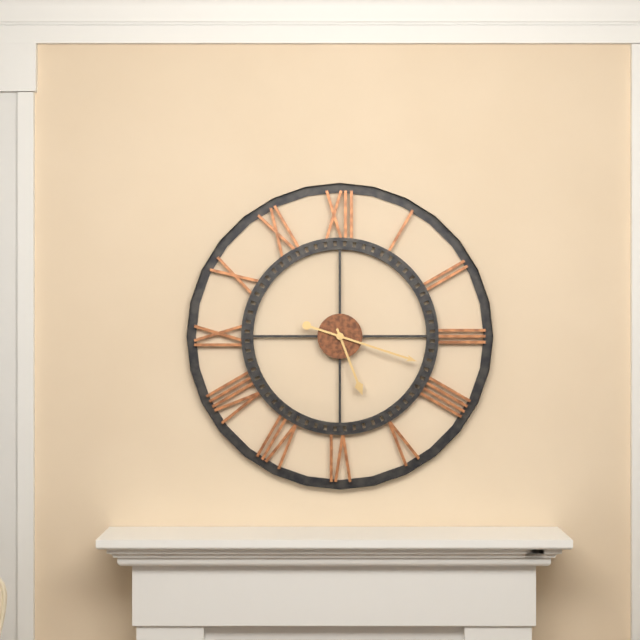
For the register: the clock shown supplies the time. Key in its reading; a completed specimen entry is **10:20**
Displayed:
**5:18**
